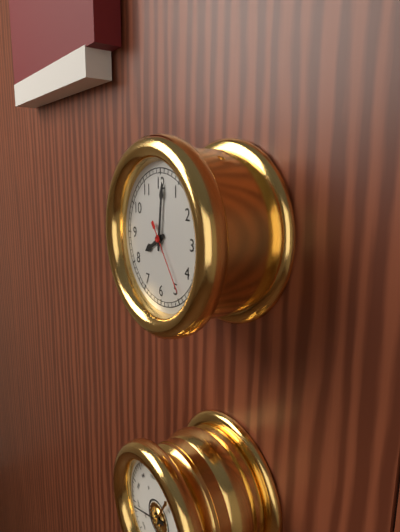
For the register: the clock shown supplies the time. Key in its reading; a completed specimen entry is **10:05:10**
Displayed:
**8:01:24**
